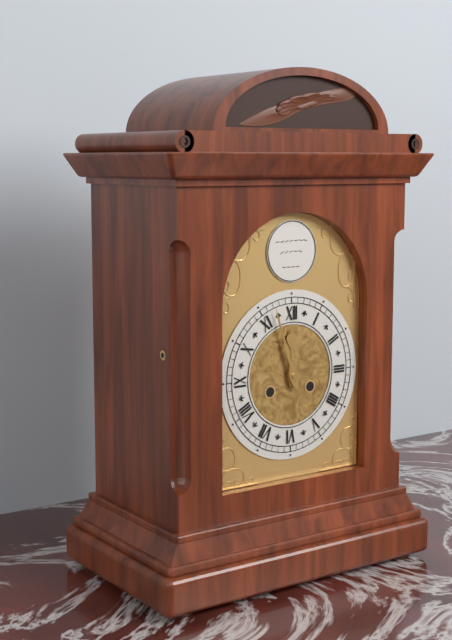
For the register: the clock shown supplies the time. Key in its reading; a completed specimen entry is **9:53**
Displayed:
**11:57**
